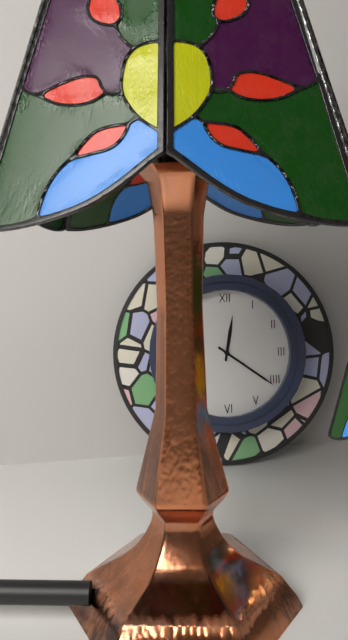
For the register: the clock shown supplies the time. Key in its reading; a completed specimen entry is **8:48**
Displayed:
**12:21**
